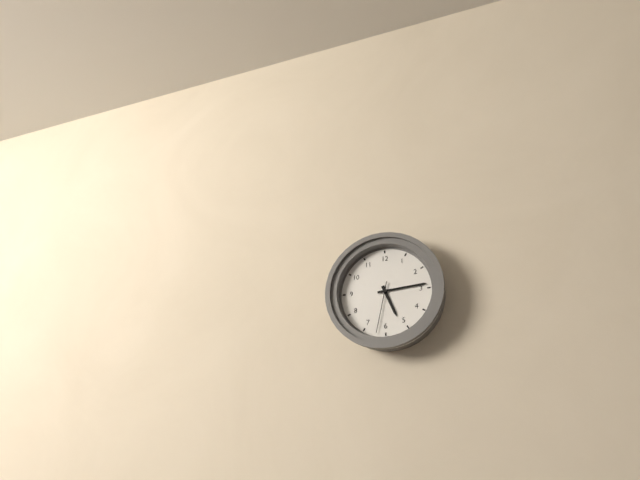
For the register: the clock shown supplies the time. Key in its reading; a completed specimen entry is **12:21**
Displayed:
**5:14**
